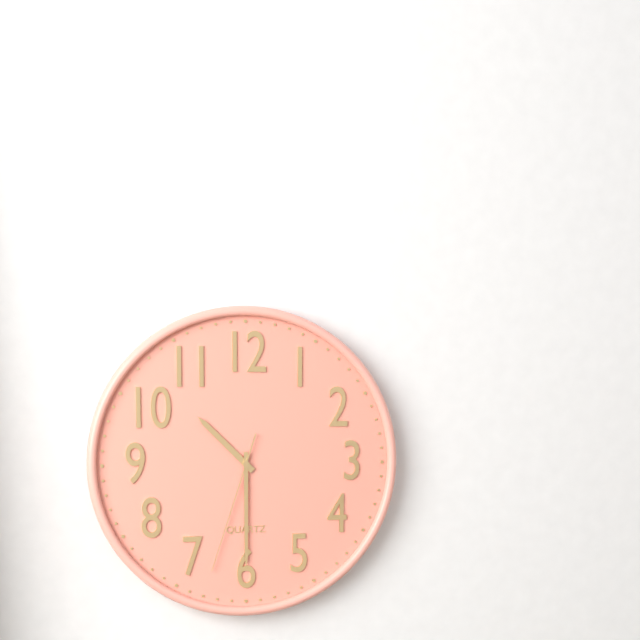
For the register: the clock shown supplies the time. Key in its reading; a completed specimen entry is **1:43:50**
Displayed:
**10:30:33**
